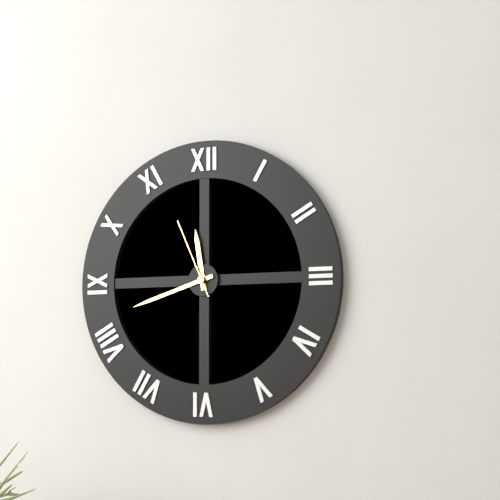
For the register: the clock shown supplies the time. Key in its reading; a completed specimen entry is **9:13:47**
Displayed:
**11:42:56**
